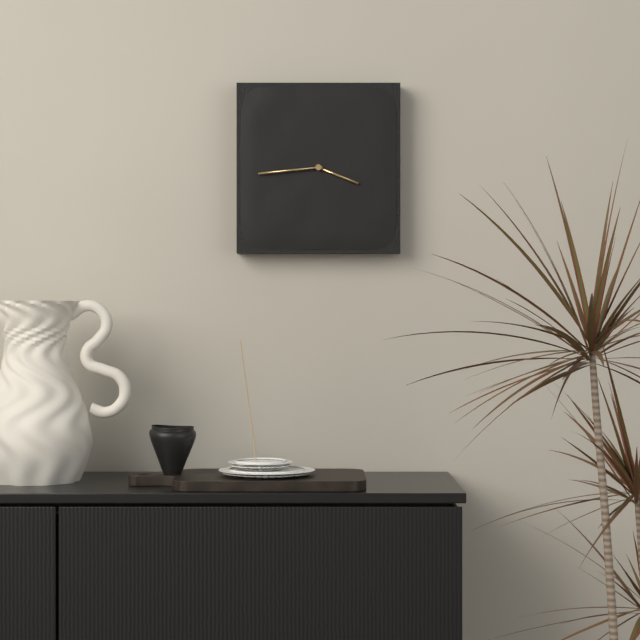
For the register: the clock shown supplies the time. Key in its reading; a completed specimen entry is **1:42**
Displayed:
**3:44**
